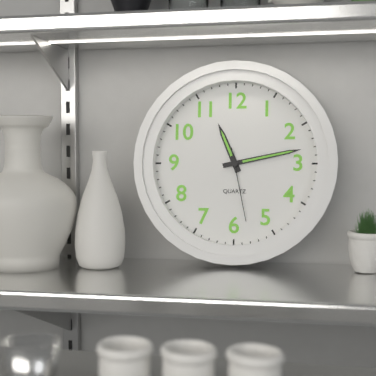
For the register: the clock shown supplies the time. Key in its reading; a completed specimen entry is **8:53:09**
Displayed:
**11:13:28**
